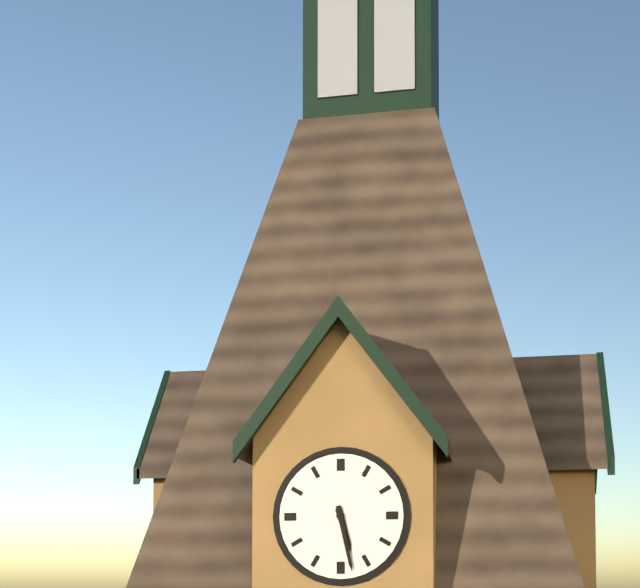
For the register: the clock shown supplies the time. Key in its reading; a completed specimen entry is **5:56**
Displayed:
**5:28**
